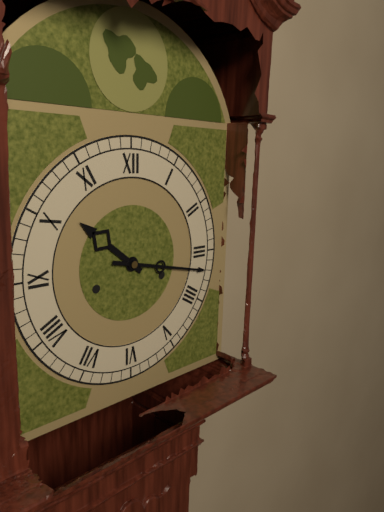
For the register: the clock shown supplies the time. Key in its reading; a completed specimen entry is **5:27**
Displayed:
**10:17**
